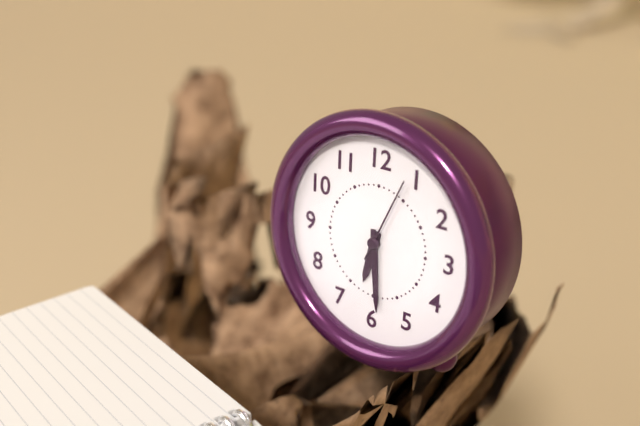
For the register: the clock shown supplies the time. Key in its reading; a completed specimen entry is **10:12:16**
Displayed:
**6:29:04**
